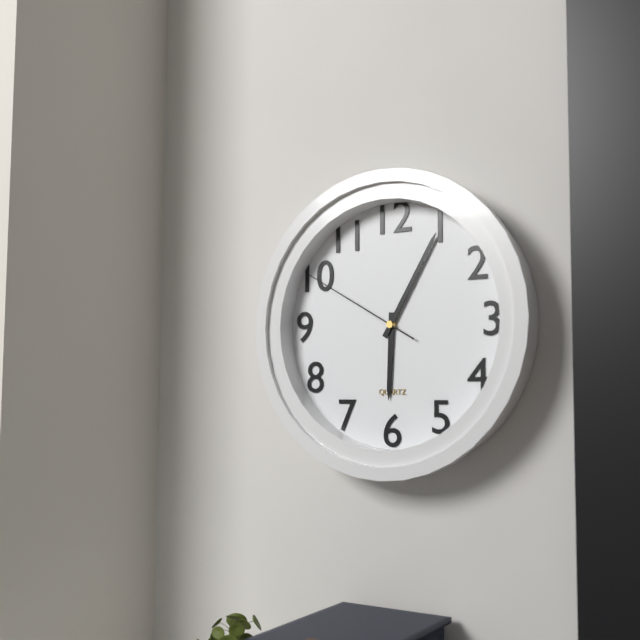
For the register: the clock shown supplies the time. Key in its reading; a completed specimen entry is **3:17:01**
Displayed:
**6:05:50**
